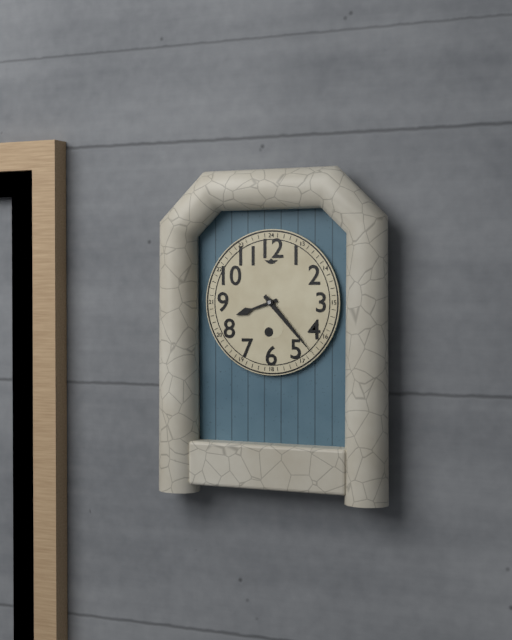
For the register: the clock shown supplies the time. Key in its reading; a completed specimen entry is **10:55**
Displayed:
**8:23**
